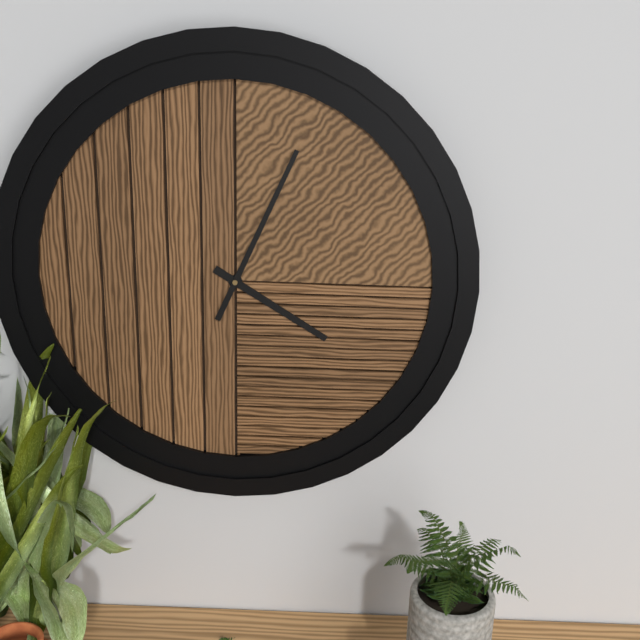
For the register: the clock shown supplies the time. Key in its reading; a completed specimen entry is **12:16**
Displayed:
**4:04**
